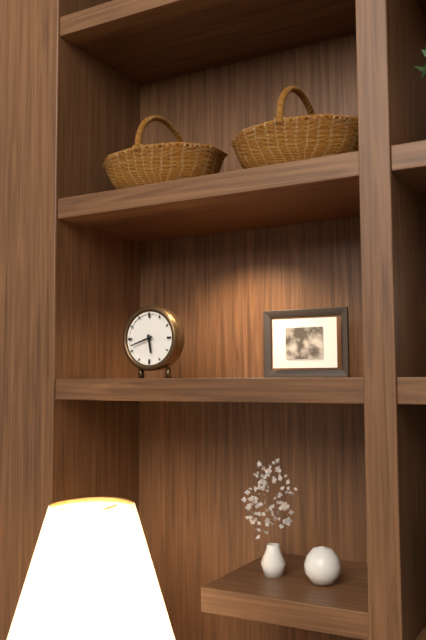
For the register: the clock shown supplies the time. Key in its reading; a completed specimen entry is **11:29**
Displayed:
**5:42**
